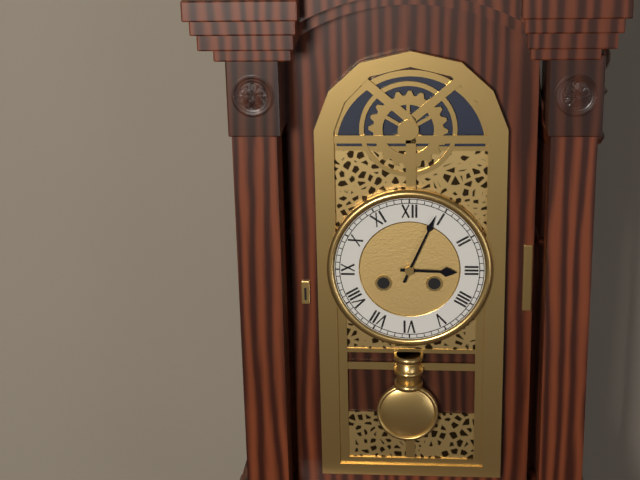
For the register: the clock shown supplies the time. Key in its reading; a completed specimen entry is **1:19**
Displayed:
**3:04**
